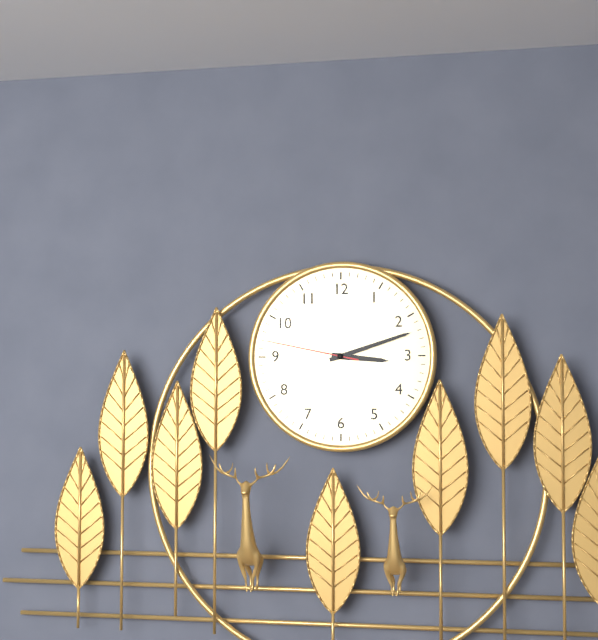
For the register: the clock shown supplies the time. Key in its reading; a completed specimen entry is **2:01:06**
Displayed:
**3:12:47**
